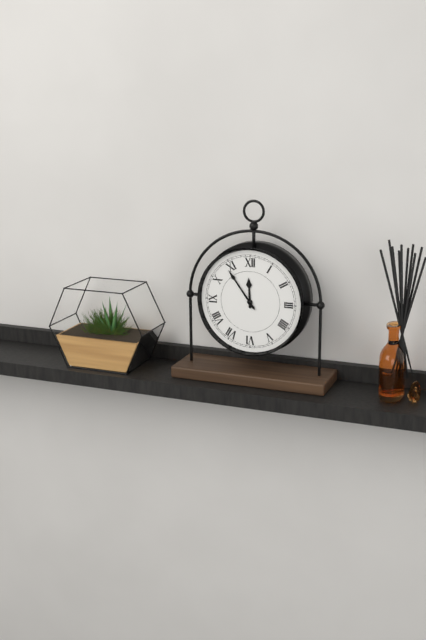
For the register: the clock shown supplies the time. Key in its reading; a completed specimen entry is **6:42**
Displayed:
**11:54**
